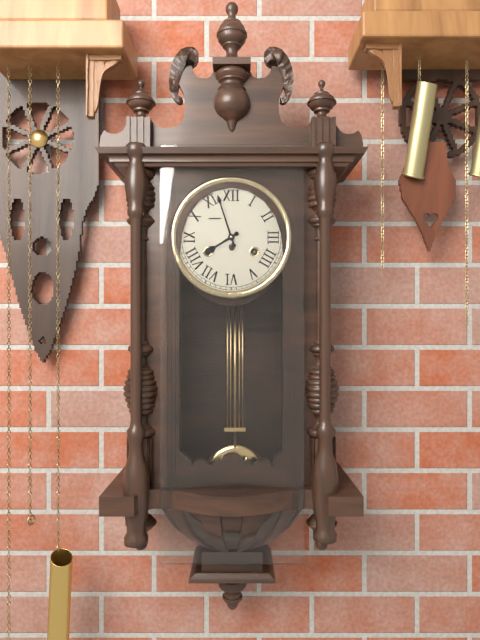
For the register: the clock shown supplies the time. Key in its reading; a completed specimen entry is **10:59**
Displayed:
**7:57**
